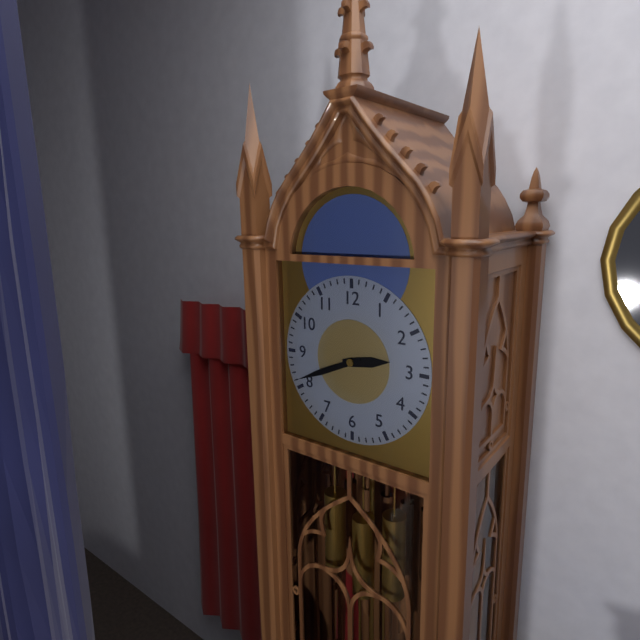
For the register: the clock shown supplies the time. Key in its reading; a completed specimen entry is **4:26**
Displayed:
**2:41**
